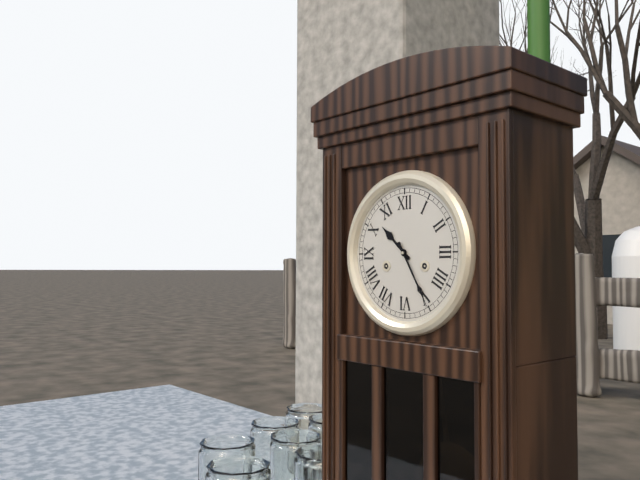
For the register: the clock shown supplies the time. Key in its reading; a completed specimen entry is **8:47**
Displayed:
**10:25**
